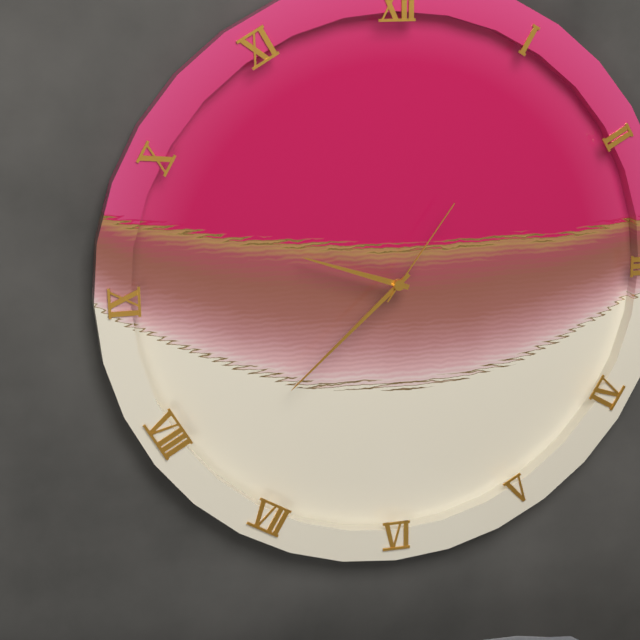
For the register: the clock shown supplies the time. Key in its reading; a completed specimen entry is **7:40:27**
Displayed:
**9:38:06**
